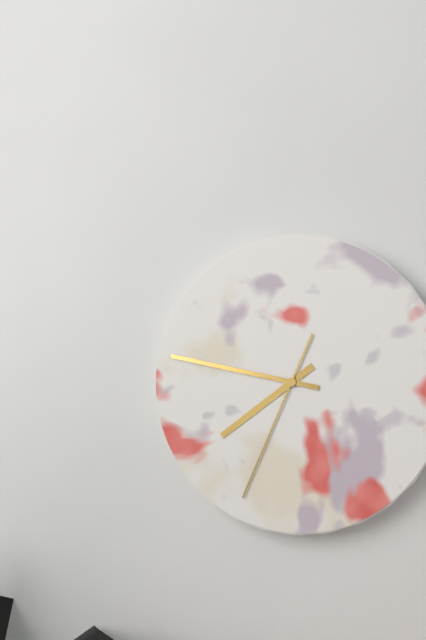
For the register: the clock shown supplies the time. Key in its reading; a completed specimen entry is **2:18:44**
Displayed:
**7:47:34**
